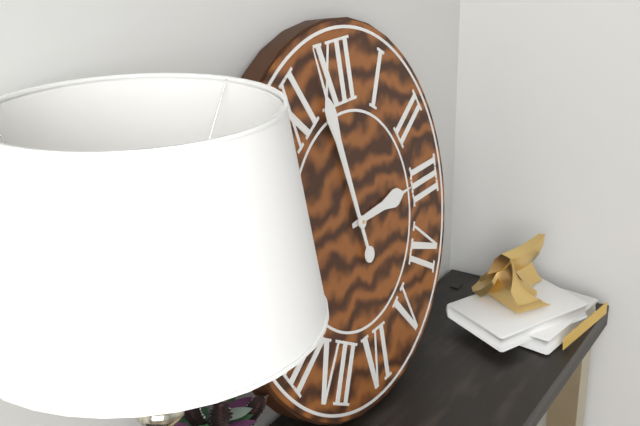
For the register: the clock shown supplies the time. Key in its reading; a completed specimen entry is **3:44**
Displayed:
**2:58**
